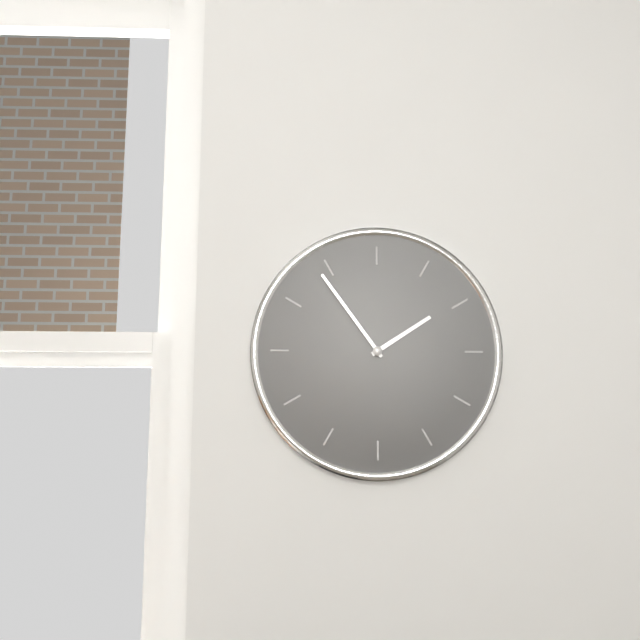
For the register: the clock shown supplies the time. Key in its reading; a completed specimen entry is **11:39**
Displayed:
**1:54**
